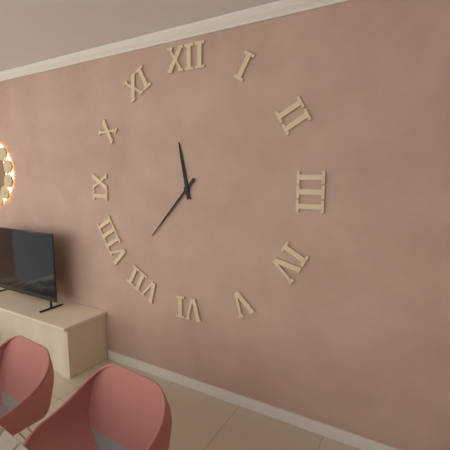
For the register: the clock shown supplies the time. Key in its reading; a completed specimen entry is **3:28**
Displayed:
**11:37**
